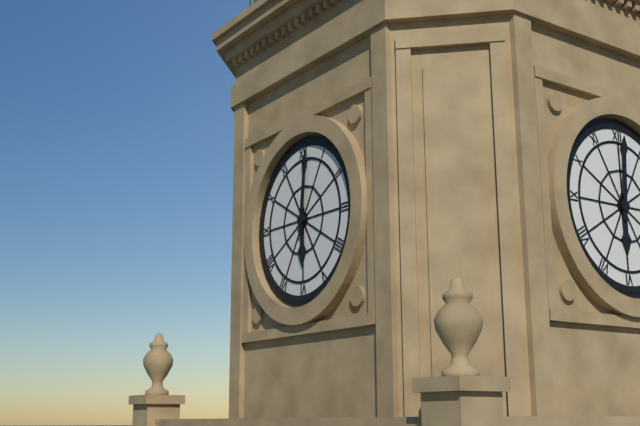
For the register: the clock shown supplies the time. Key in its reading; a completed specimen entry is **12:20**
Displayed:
**6:01**
